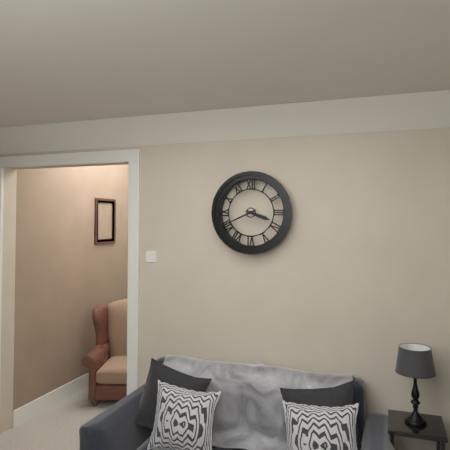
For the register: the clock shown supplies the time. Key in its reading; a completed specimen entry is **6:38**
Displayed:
**3:41**
